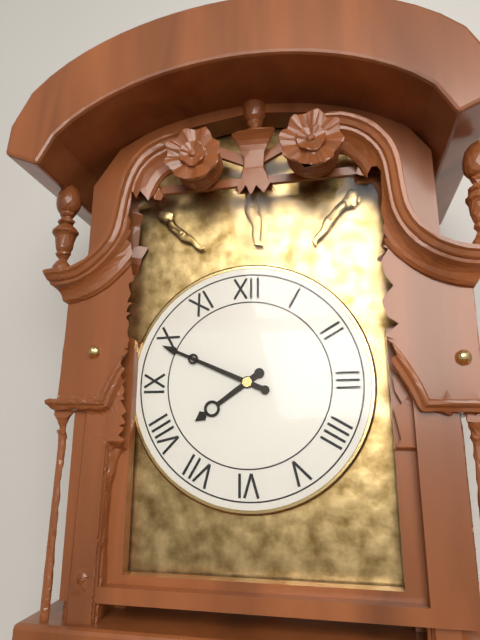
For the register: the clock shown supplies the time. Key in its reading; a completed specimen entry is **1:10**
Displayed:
**7:49**
